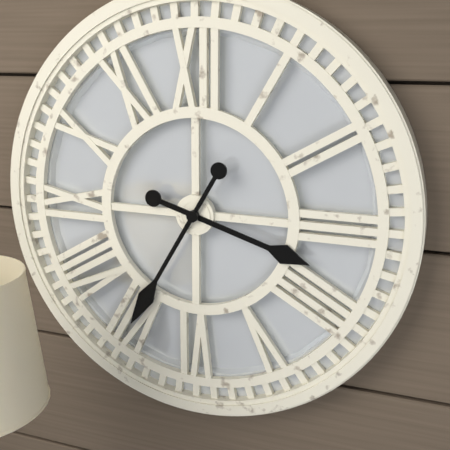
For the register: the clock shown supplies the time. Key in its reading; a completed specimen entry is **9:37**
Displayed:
**3:35**
